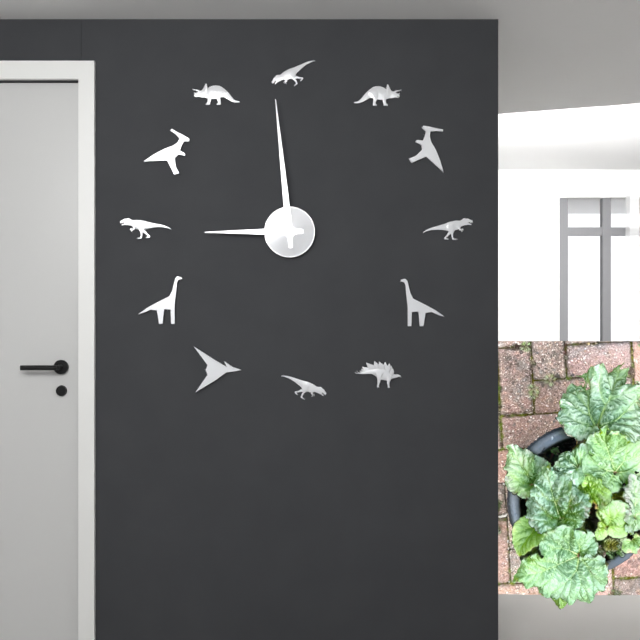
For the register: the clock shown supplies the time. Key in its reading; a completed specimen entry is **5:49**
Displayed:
**8:59**
